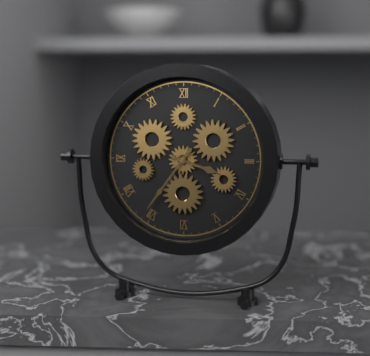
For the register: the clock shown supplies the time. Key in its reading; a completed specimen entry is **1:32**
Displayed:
**3:36**
